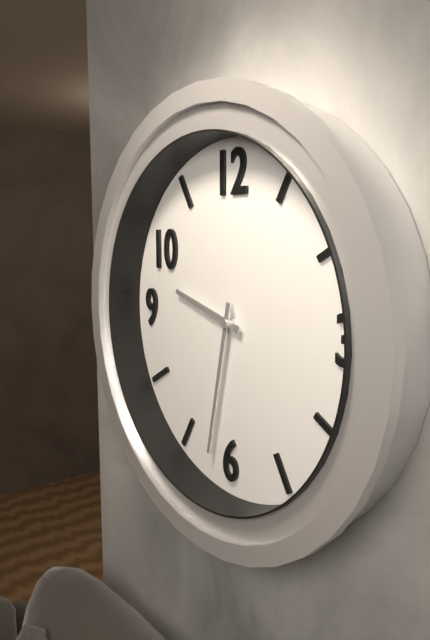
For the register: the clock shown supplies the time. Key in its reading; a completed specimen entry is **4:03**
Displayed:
**9:32**
